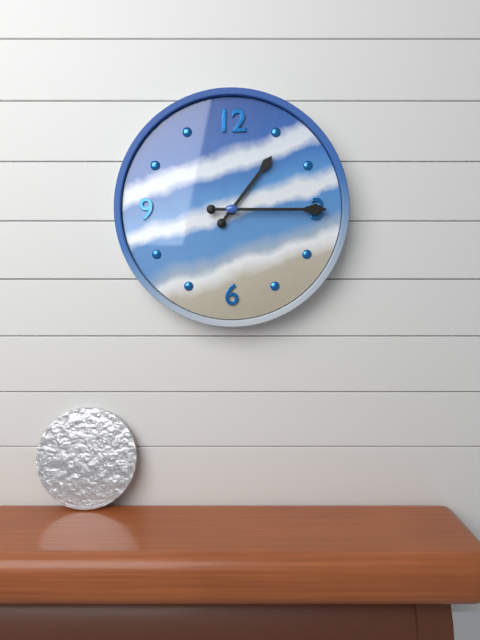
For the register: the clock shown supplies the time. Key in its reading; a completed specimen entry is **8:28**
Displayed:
**1:15**
